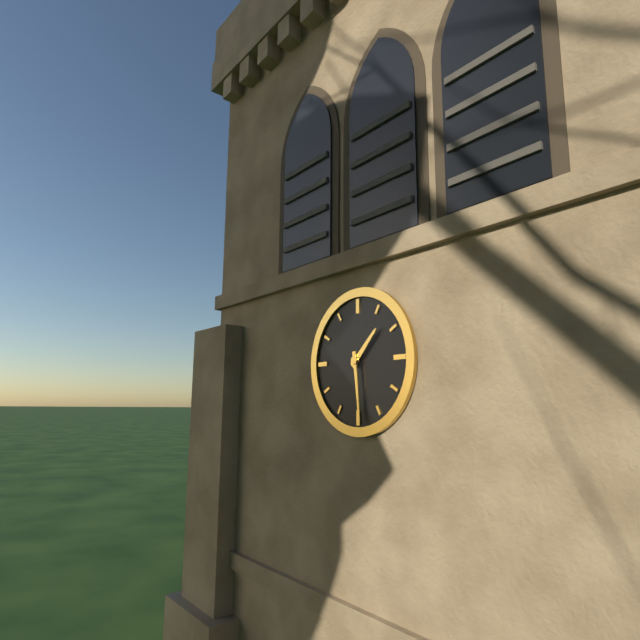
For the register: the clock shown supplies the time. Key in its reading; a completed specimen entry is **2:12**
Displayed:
**1:29**
